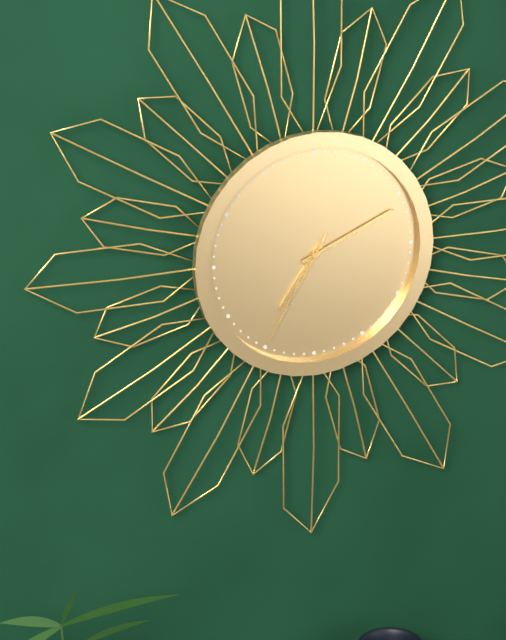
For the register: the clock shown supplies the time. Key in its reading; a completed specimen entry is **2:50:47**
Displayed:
**7:11:35**
